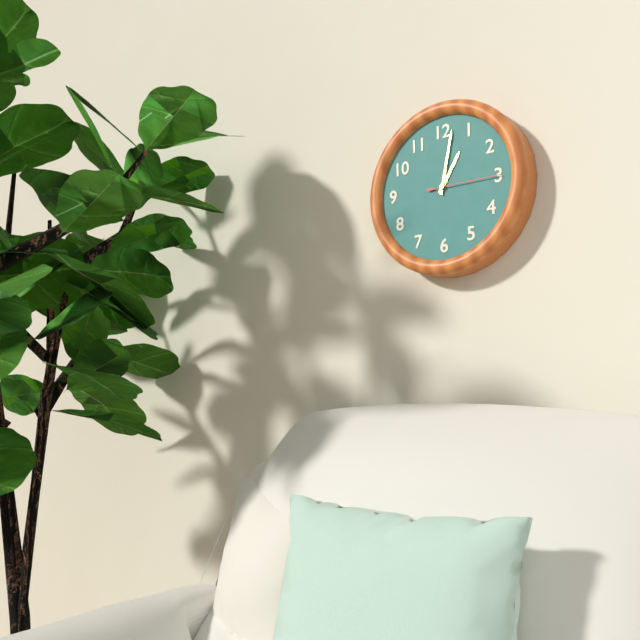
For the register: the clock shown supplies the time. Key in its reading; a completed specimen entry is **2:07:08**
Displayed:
**1:02:15**
